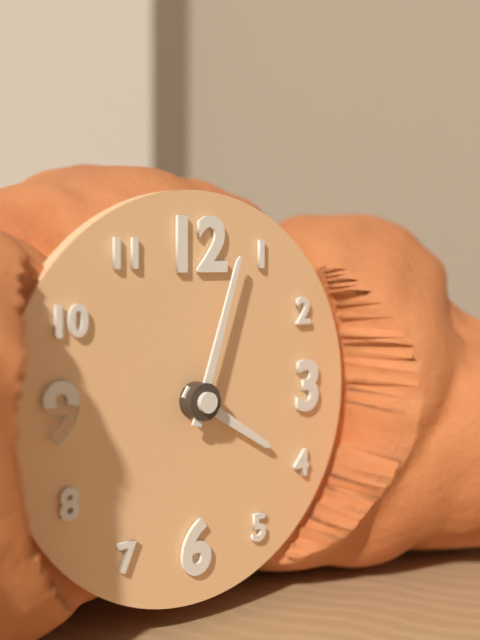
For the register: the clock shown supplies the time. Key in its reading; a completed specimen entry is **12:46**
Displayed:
**4:03**
